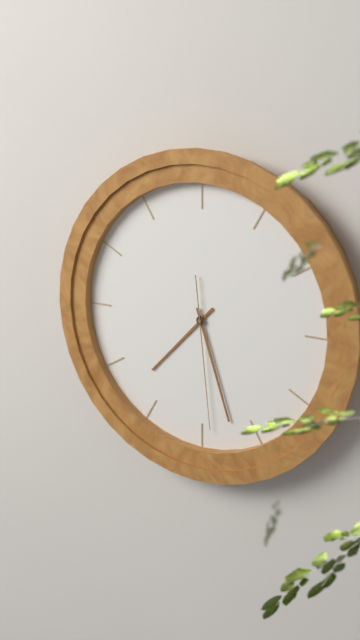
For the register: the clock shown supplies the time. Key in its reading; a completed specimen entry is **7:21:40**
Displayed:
**7:27:29**
